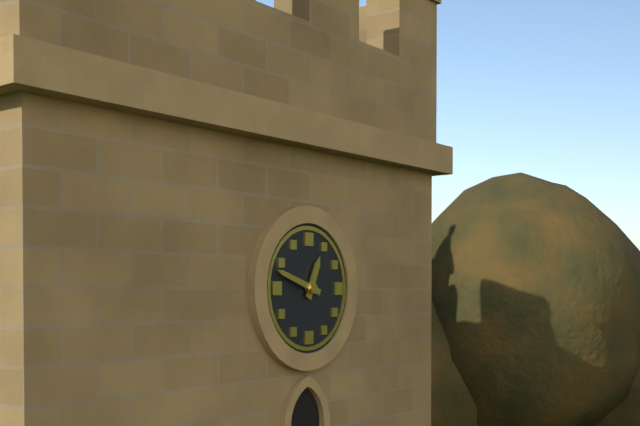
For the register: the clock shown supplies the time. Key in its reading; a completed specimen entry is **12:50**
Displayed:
**12:48**
